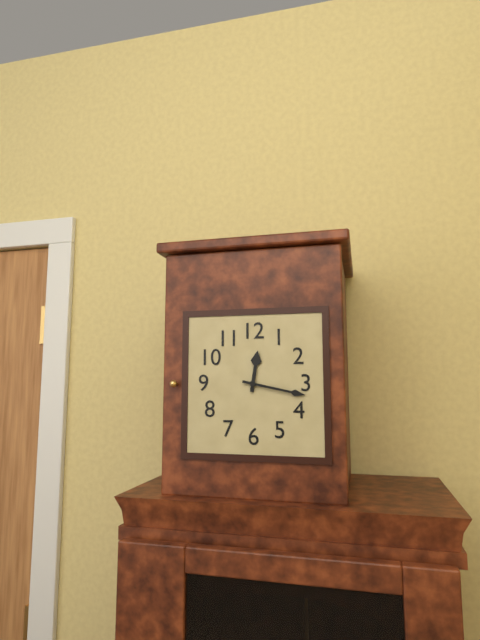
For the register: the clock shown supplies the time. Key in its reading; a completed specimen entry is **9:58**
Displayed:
**12:17**
